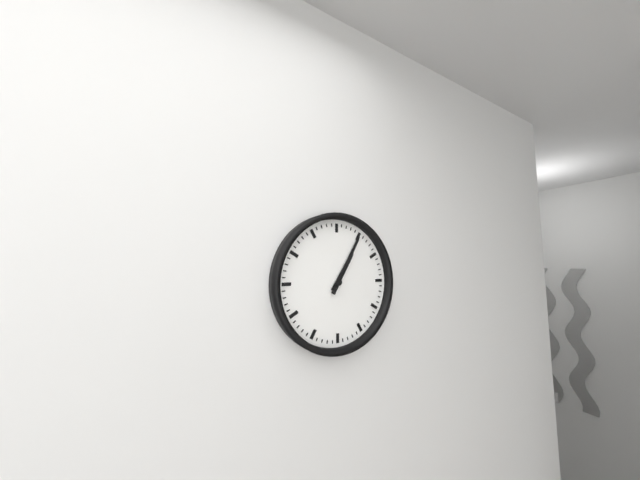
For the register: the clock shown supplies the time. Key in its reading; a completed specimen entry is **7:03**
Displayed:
**1:05**
